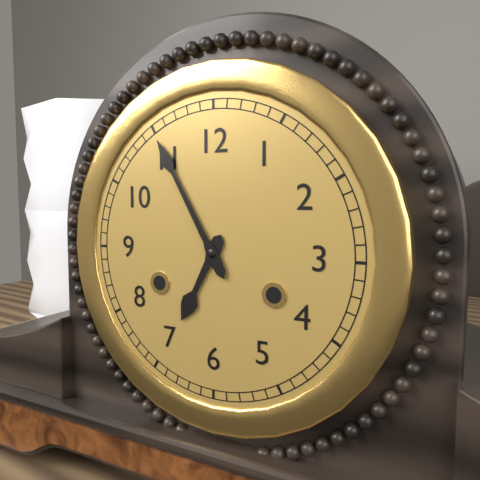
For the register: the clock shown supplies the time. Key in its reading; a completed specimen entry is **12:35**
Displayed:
**6:55**
